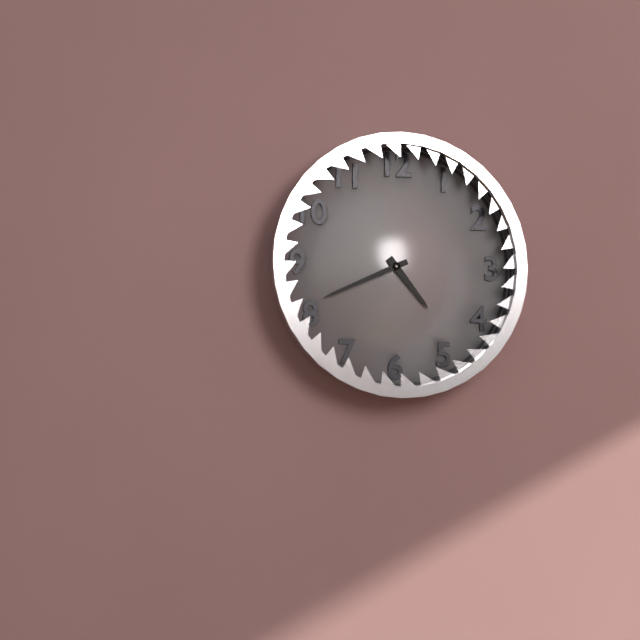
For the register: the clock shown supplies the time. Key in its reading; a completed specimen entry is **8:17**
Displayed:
**4:41**
